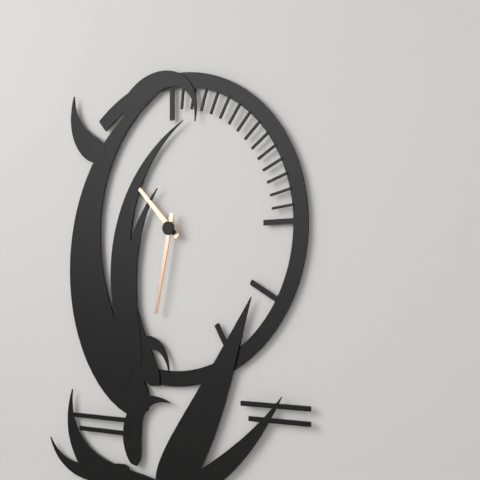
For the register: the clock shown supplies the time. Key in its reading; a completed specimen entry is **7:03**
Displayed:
**10:32**
